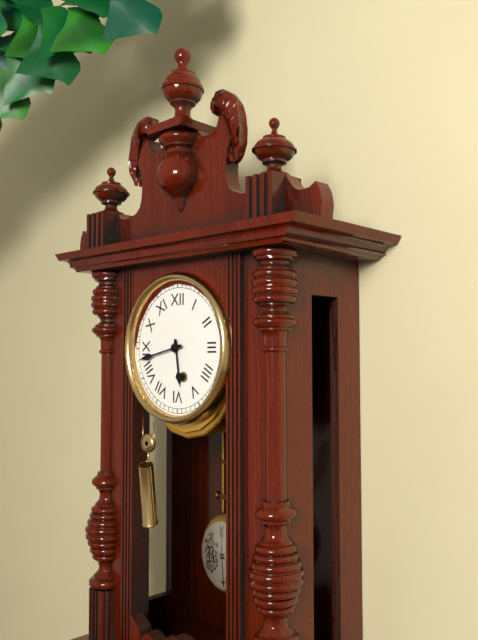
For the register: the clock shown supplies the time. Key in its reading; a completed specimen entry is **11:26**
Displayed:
**5:43**
